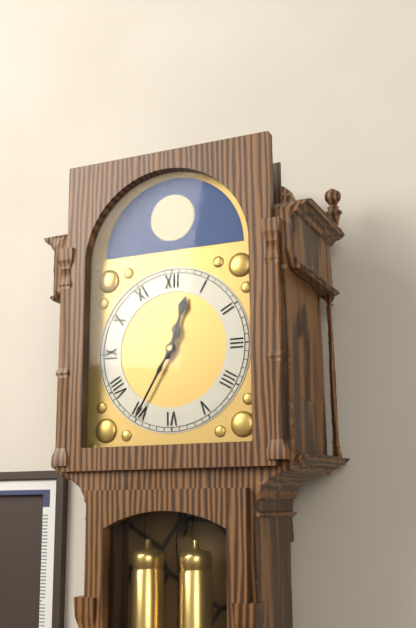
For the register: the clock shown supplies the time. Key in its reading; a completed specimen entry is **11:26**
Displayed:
**12:35**
